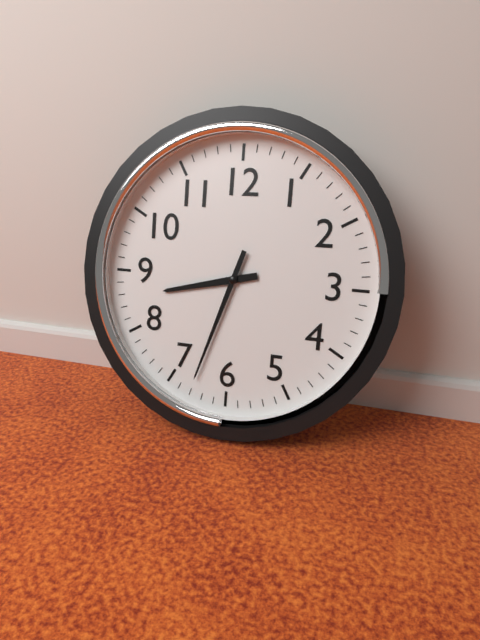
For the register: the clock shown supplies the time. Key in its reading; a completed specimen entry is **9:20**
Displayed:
**8:33**
